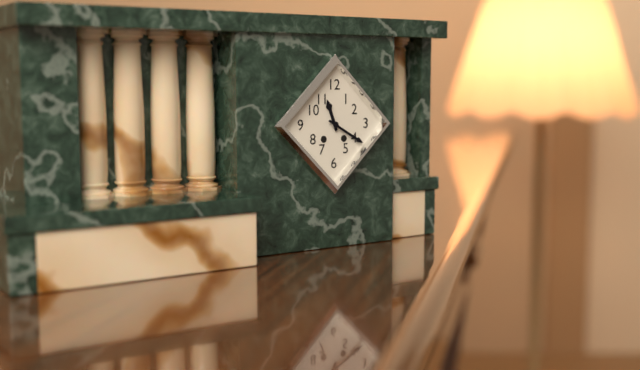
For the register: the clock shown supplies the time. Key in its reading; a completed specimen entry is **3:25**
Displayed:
**11:20**
